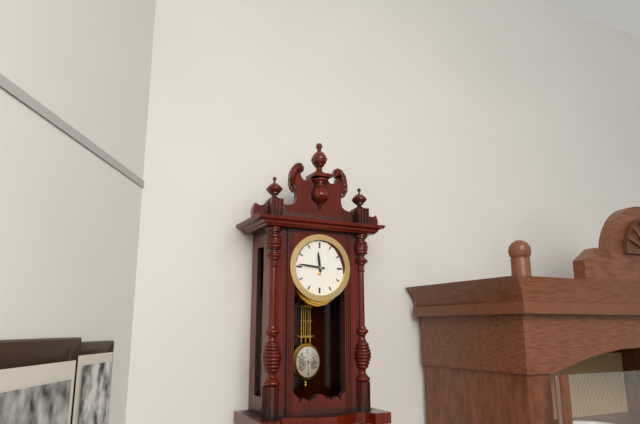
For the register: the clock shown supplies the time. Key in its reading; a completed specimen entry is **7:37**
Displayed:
**11:46**
